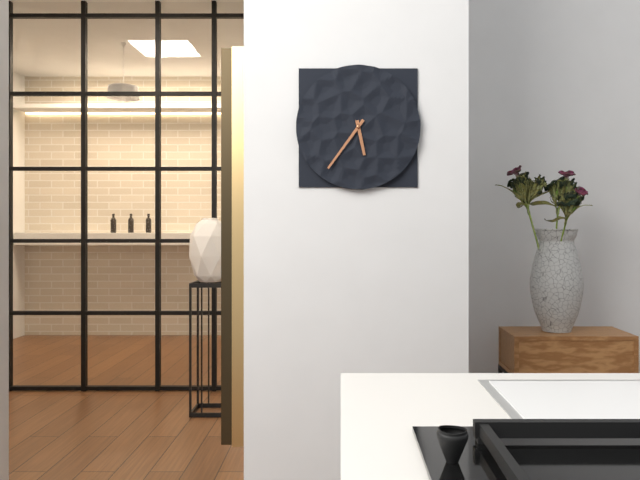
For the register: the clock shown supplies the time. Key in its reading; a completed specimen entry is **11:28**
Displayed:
**5:36**
